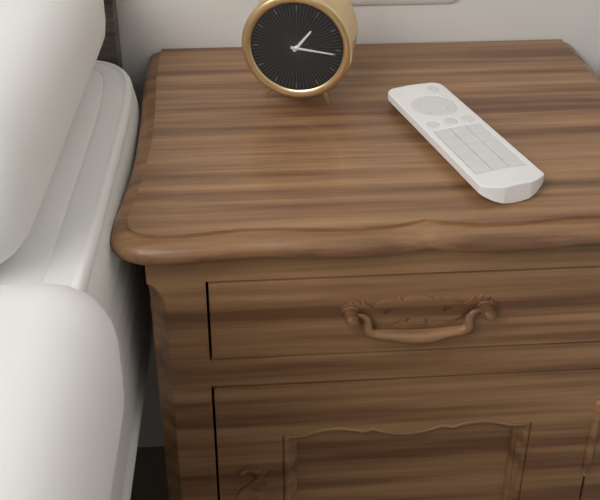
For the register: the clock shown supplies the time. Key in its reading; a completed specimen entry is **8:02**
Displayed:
**1:16**
